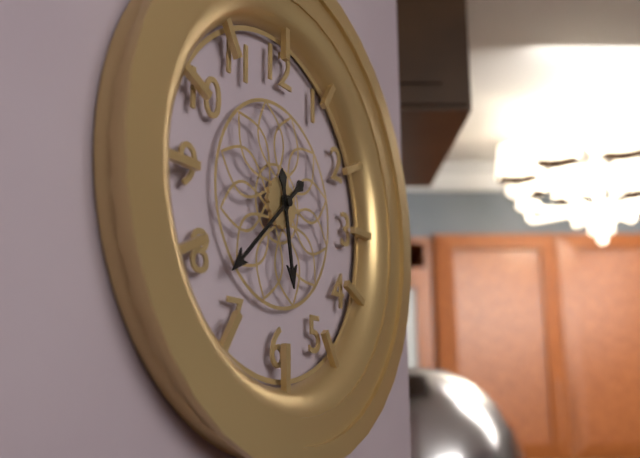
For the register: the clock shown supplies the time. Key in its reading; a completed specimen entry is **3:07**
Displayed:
**5:38**
